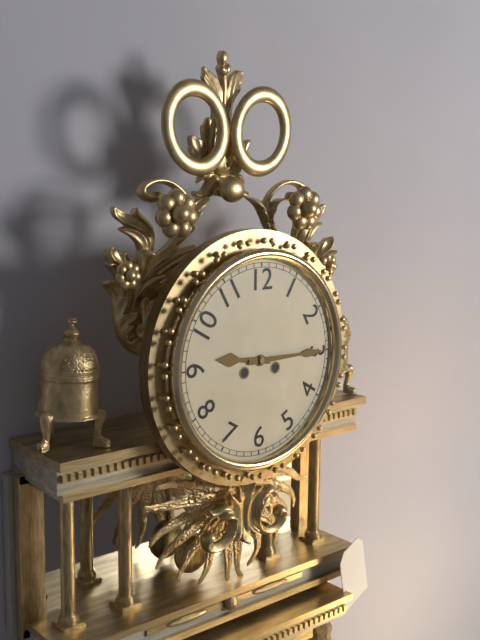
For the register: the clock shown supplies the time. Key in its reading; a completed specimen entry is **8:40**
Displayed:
**9:15**
